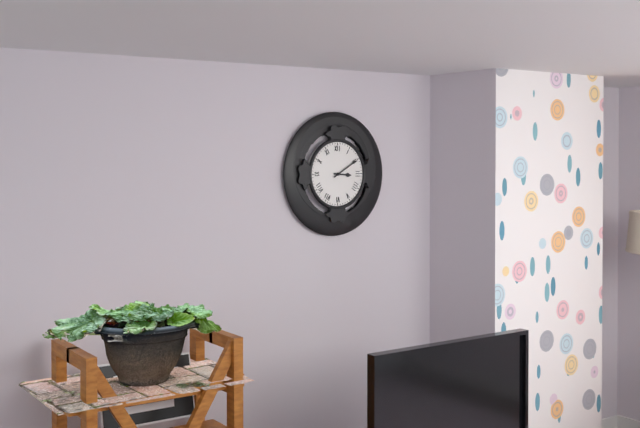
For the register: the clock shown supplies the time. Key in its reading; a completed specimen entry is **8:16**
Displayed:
**3:10**
